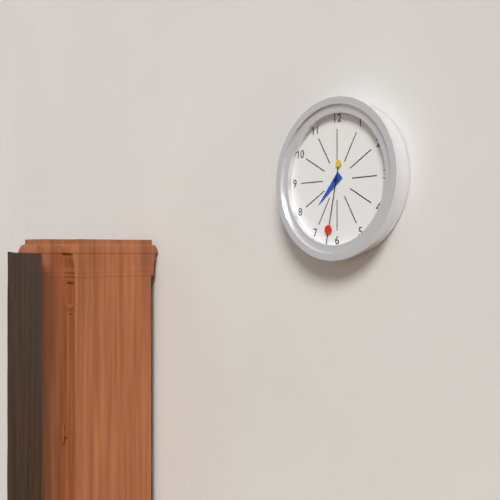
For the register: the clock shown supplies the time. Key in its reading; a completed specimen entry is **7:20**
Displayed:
**7:32**
